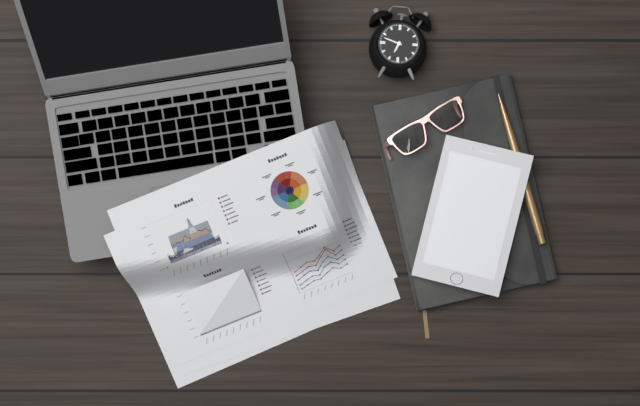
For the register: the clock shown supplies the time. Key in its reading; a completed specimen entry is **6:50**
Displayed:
**6:48**
